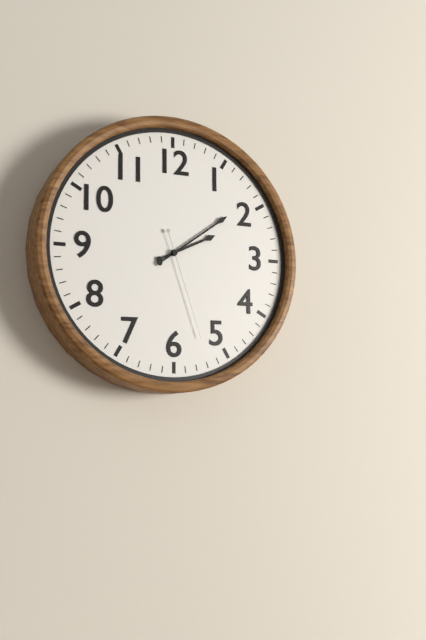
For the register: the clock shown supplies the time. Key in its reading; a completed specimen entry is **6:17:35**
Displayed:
**2:09:27**
